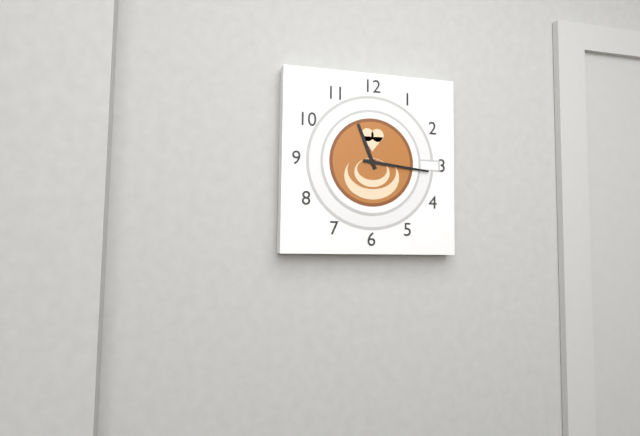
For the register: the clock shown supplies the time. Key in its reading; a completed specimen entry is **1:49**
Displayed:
**11:16**
